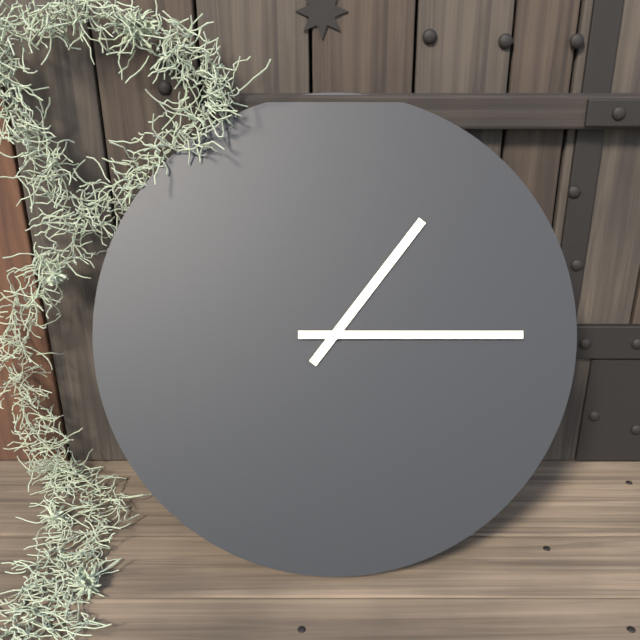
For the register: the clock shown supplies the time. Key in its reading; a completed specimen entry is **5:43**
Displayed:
**1:15**
